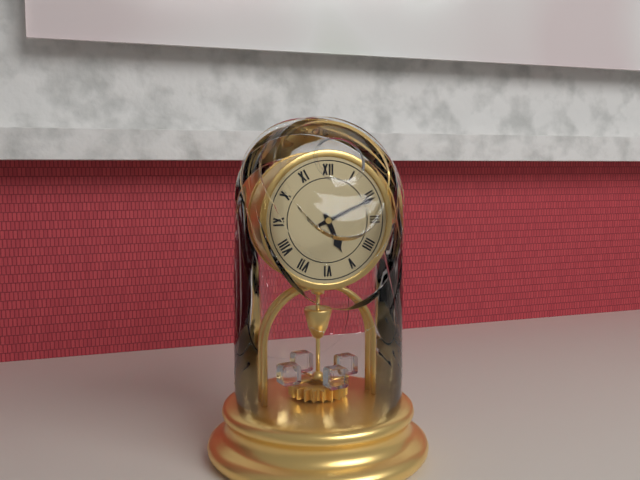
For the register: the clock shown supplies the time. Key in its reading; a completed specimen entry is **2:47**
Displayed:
**5:11**
